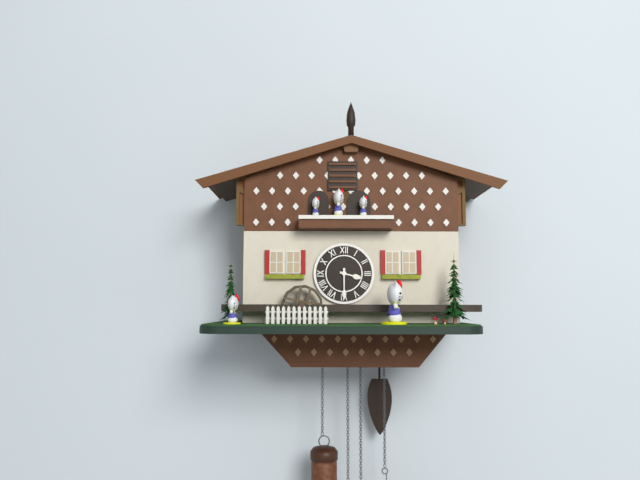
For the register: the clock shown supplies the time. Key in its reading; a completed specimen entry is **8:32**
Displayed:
**3:30**
